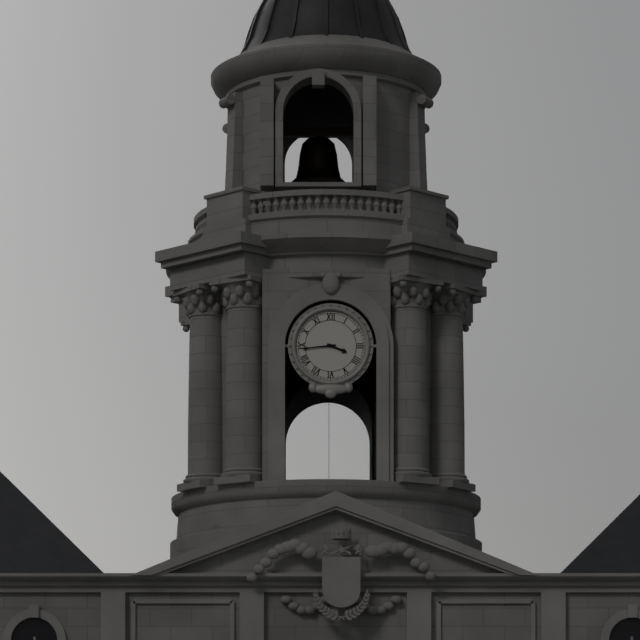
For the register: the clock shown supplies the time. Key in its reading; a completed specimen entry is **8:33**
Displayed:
**3:44**
